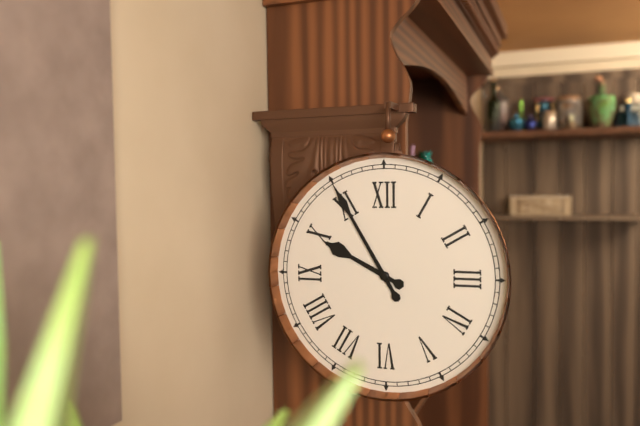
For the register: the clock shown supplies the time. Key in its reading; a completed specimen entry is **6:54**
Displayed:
**9:55**
